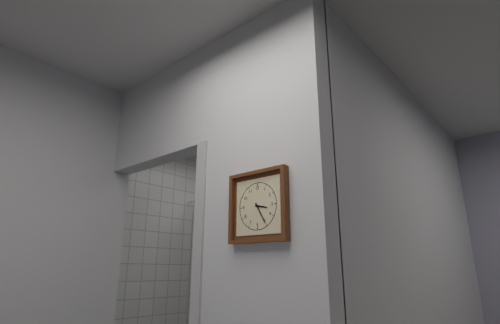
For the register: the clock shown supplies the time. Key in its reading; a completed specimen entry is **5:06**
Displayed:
**3:25**
